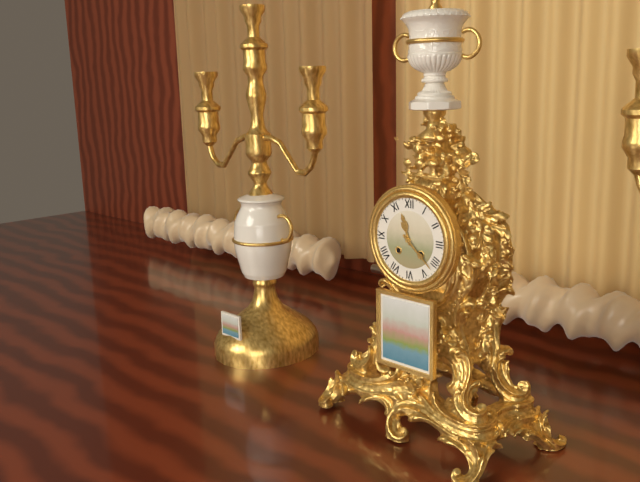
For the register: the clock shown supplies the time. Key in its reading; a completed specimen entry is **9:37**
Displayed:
**11:22**
